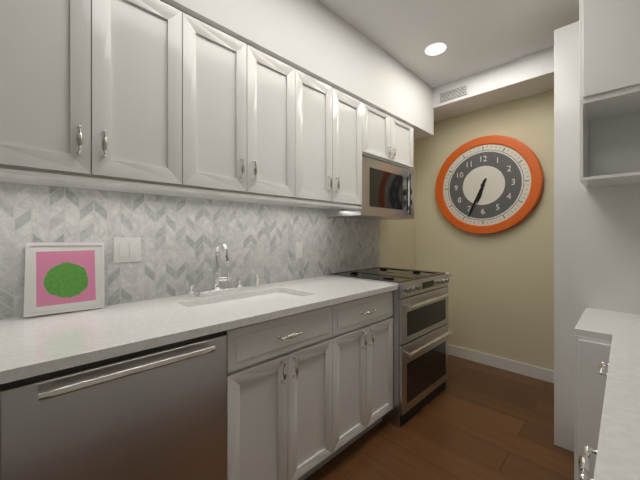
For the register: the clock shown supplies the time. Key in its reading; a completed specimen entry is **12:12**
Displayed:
**6:34**
